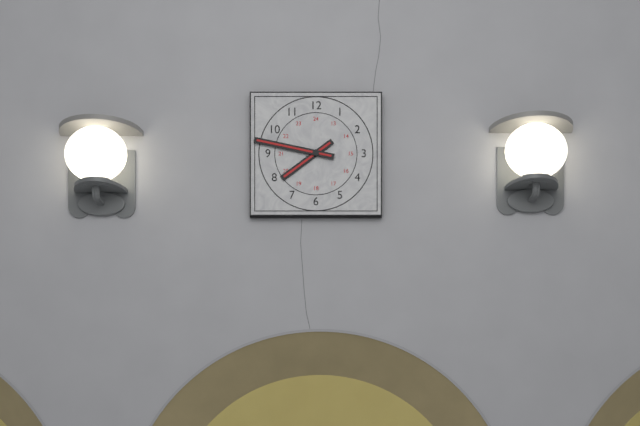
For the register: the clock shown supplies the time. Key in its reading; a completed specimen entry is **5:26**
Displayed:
**7:47**
